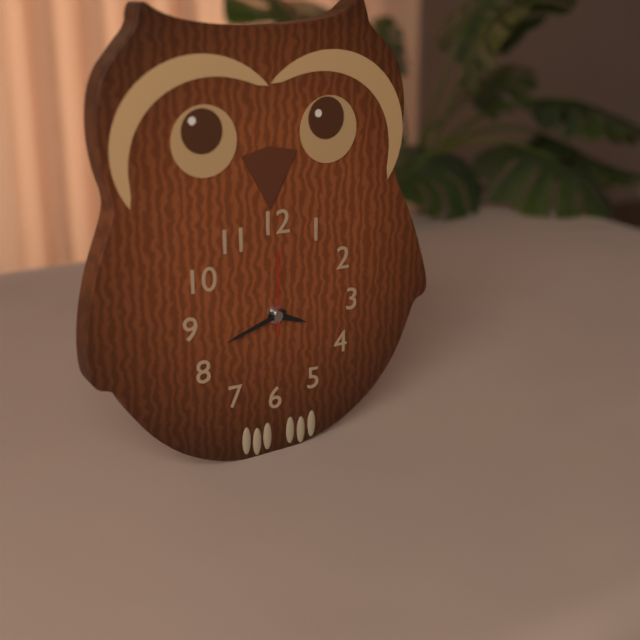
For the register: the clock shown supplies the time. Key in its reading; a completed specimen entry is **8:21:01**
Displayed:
**3:42:00**
